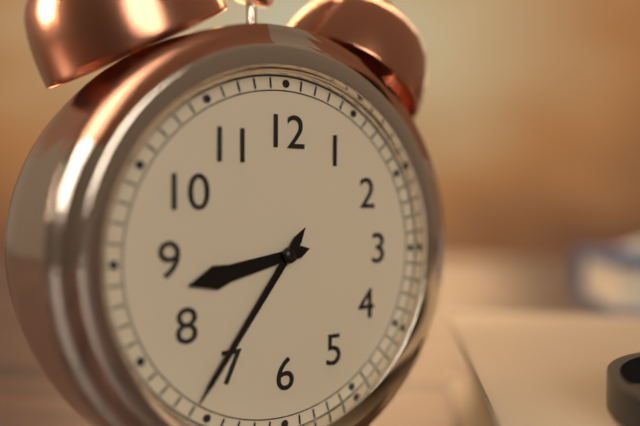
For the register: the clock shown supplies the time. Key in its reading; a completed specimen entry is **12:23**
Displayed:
**8:36**
